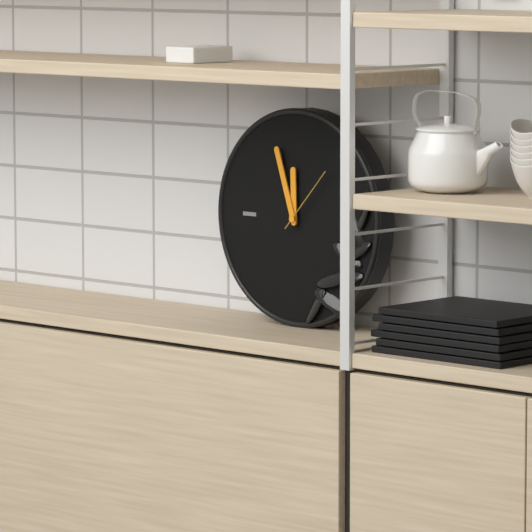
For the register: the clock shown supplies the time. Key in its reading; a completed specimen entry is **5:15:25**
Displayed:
**11:57:07**
